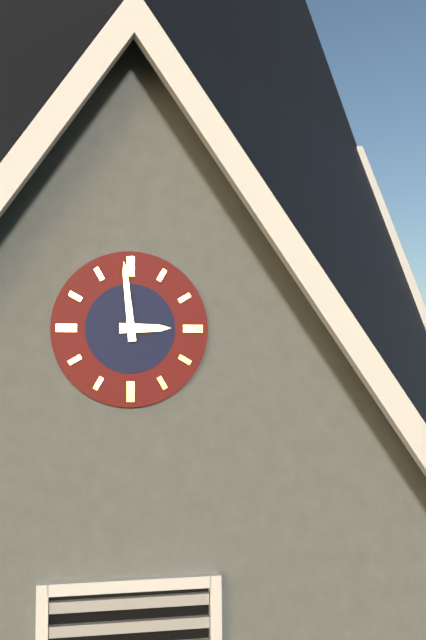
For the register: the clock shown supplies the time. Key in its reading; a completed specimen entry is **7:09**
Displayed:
**2:59**
